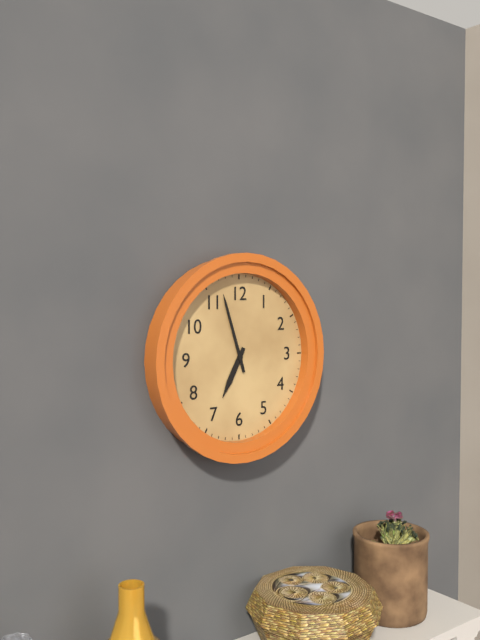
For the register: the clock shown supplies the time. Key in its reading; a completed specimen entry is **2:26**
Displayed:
**6:57**
